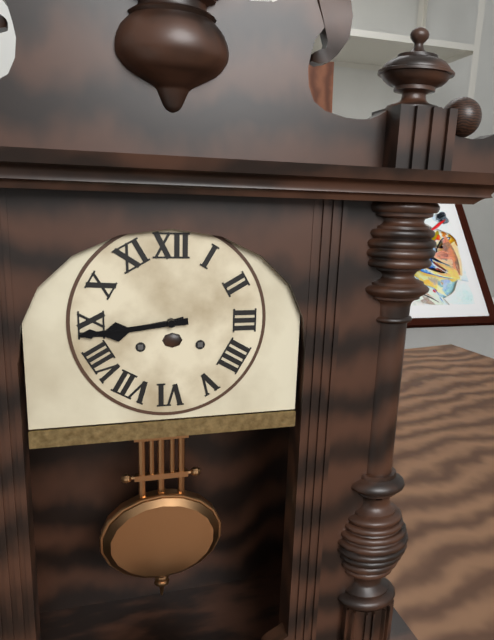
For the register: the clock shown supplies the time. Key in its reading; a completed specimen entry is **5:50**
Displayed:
**8:44**
